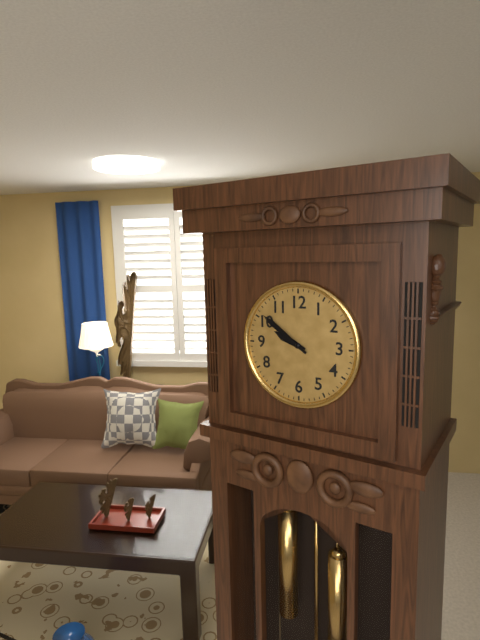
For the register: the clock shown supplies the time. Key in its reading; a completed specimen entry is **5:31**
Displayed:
**9:51**
